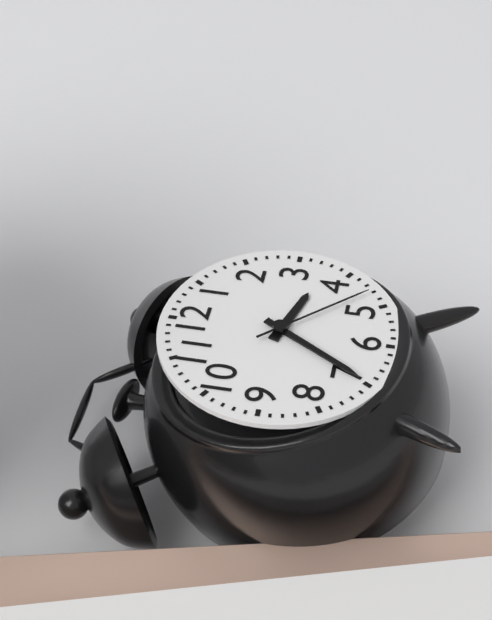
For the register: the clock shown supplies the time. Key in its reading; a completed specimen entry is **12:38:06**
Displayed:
**3:35:23**
